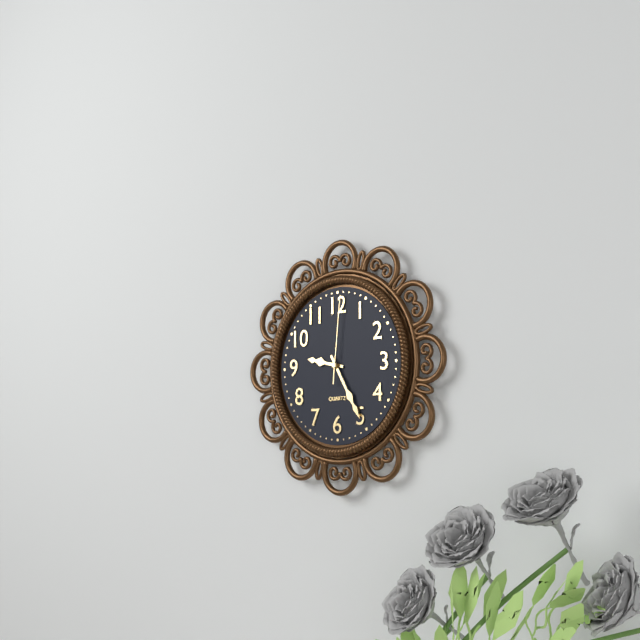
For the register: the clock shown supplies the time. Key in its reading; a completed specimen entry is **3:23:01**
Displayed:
**9:25:01**
